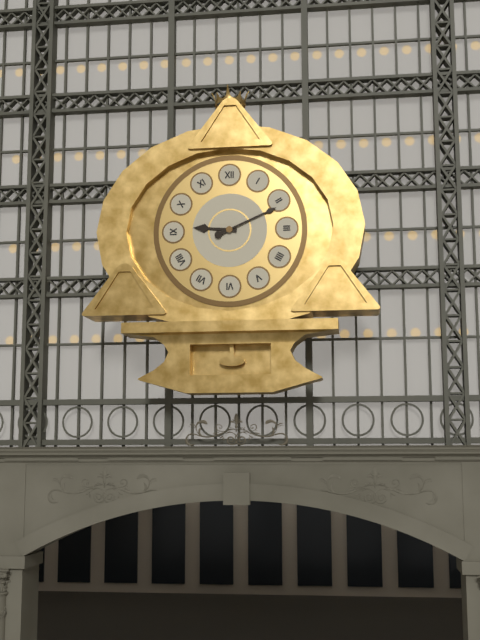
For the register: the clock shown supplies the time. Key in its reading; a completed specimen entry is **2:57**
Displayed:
**9:11**
